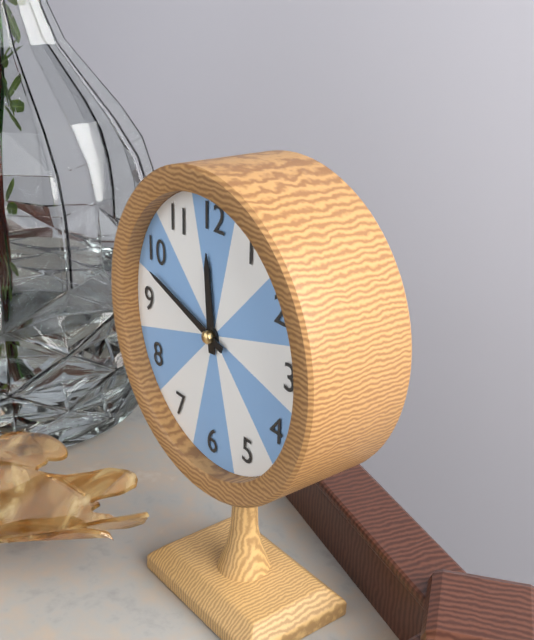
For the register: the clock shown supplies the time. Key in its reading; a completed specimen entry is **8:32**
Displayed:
**11:48**
